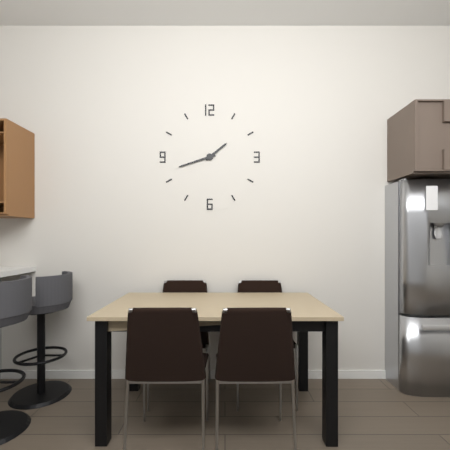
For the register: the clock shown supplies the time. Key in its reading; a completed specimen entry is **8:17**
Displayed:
**1:42**
